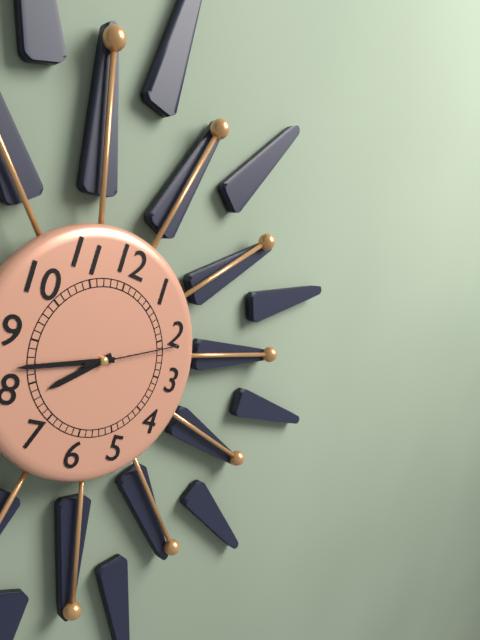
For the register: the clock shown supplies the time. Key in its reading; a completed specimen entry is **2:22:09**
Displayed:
**7:42:11**
